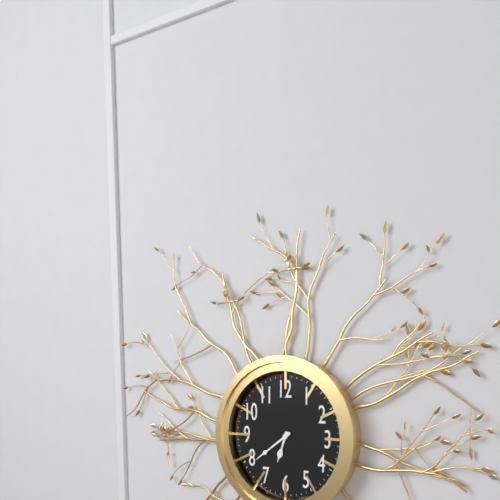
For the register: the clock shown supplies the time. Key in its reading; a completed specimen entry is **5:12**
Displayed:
**6:39**
